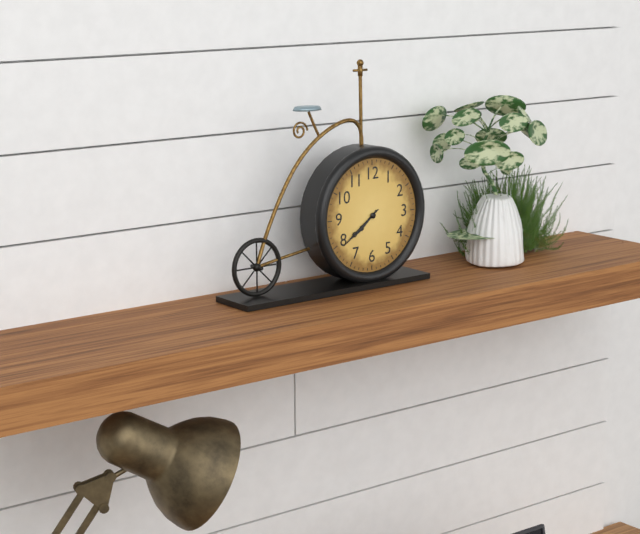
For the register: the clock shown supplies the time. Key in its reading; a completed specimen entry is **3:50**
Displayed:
**7:39**
